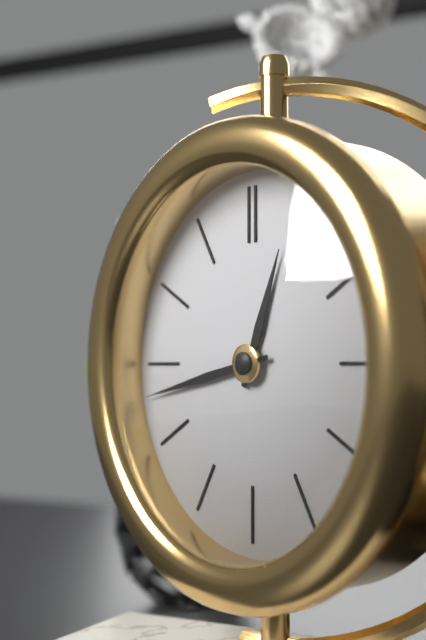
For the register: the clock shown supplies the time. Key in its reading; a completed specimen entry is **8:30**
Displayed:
**12:43**
